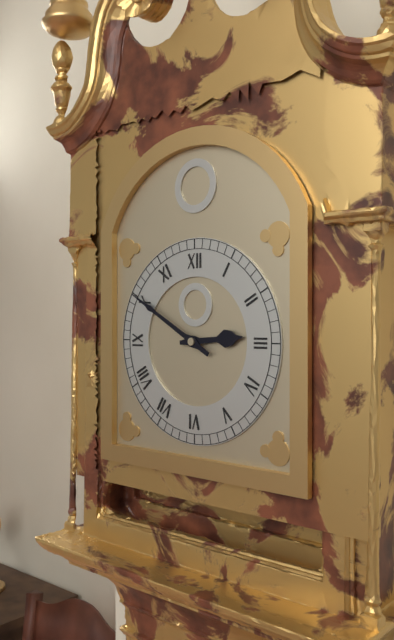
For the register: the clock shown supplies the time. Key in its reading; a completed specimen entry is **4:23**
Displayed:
**2:50**
